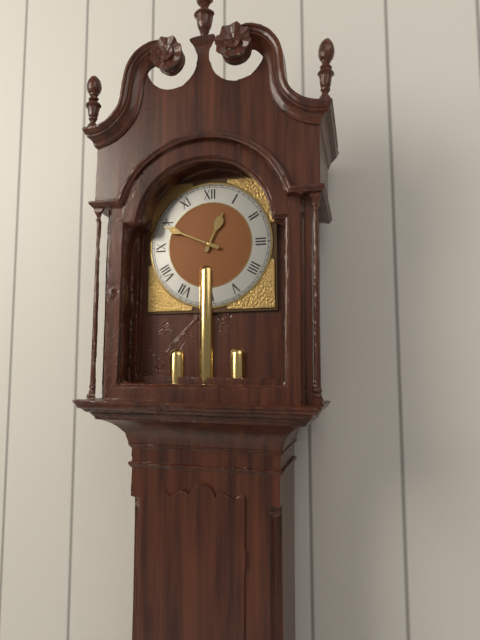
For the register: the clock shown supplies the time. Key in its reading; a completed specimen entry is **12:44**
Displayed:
**12:49**
